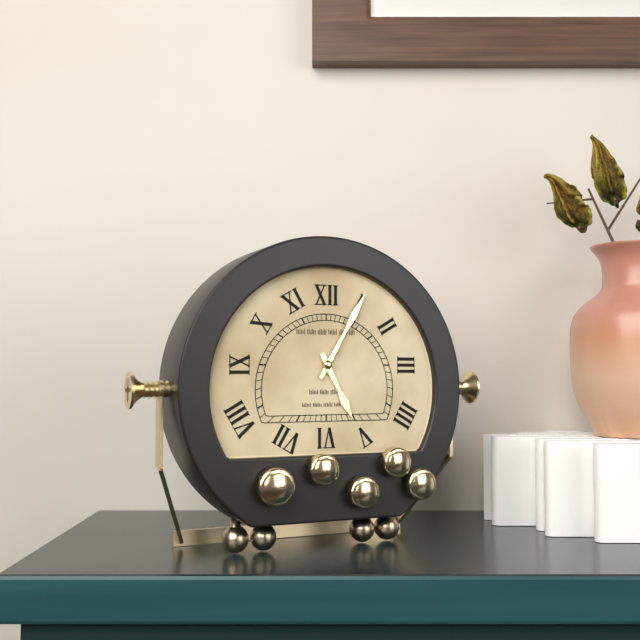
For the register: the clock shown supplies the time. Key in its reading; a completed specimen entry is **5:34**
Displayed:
**5:05**
